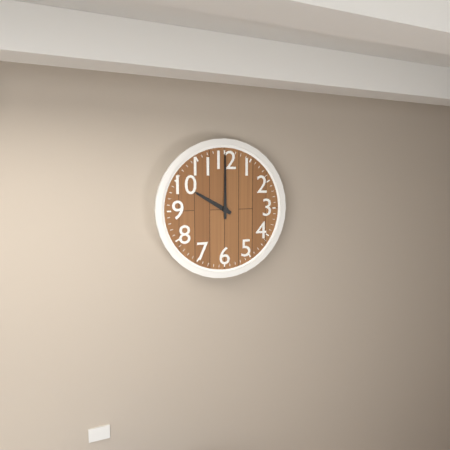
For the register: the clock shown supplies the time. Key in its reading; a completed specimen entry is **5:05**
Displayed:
**10:00**
